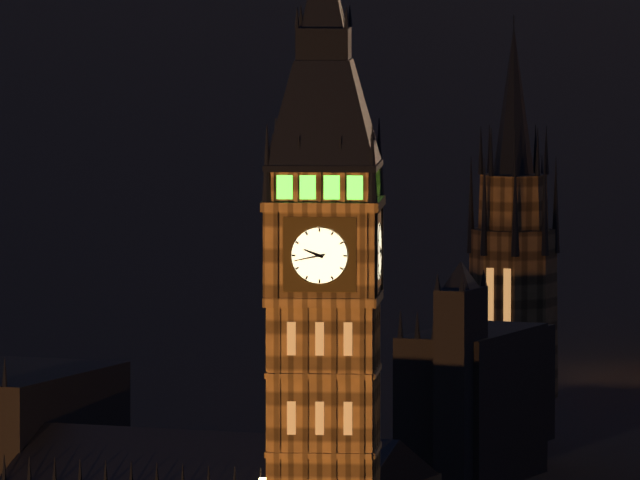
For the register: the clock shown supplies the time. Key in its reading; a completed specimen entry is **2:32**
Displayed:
**9:43**
